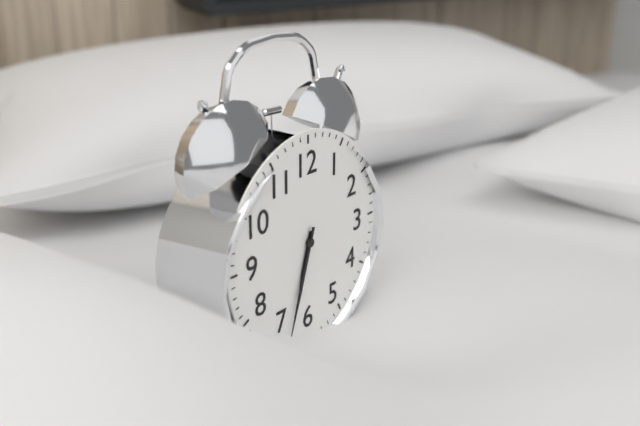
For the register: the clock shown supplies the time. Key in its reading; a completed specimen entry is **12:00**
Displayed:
**6:33**
